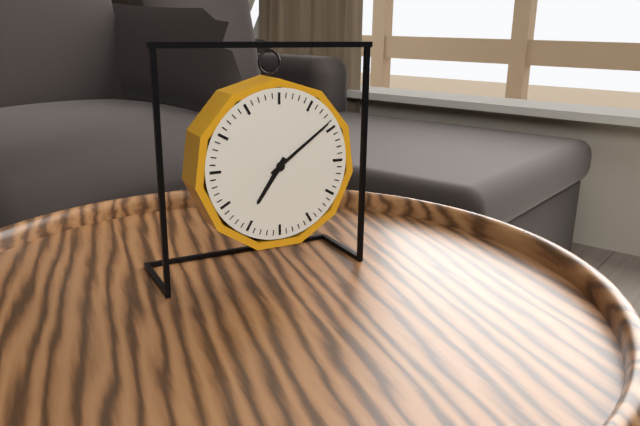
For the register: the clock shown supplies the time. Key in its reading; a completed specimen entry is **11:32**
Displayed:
**7:09**
